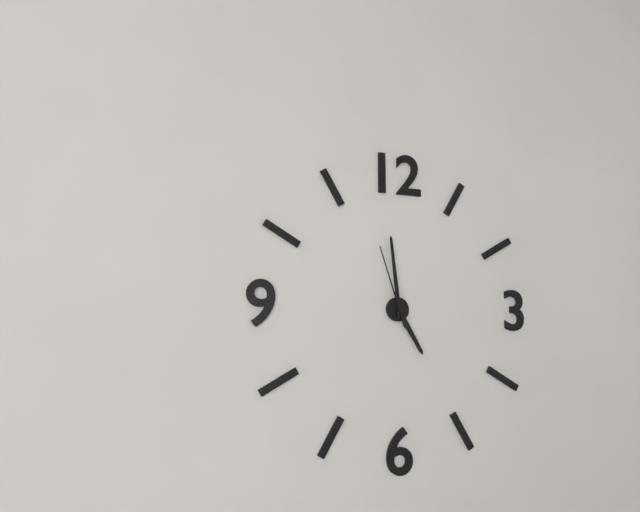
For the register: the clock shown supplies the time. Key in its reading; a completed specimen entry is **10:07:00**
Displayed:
**4:59:57**
